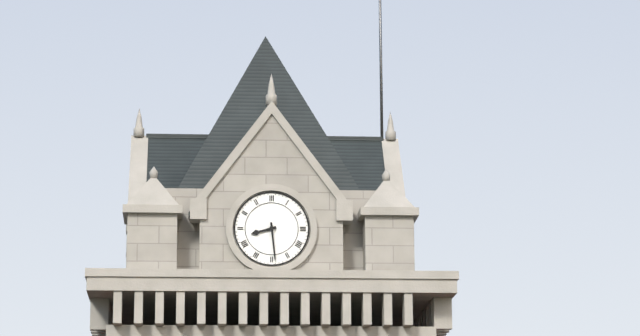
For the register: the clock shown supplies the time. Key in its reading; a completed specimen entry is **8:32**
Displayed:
**8:29**
